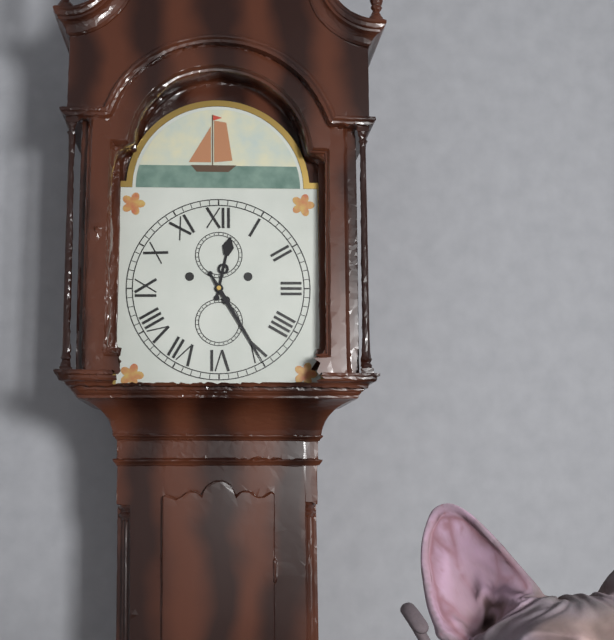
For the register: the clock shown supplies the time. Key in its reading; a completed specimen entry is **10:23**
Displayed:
**12:25**
